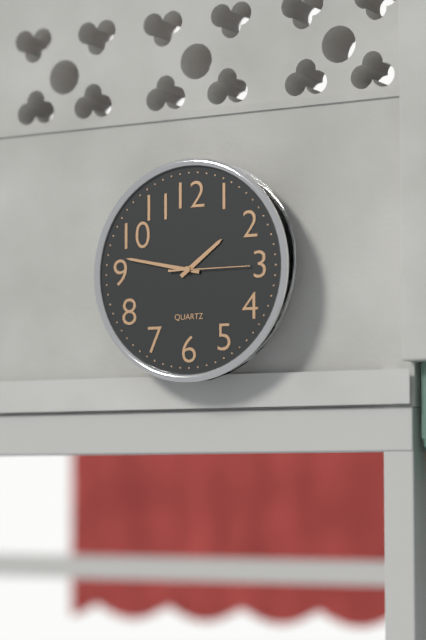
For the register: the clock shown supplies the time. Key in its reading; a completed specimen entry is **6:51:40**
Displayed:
**1:47:15**
